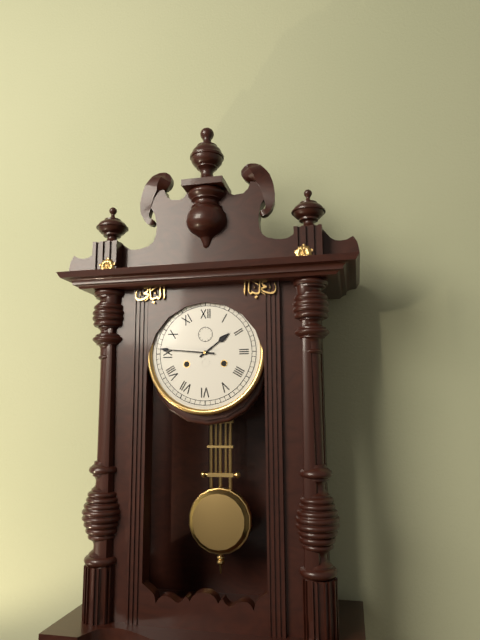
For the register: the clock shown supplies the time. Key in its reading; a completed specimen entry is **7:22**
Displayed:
**1:46**
